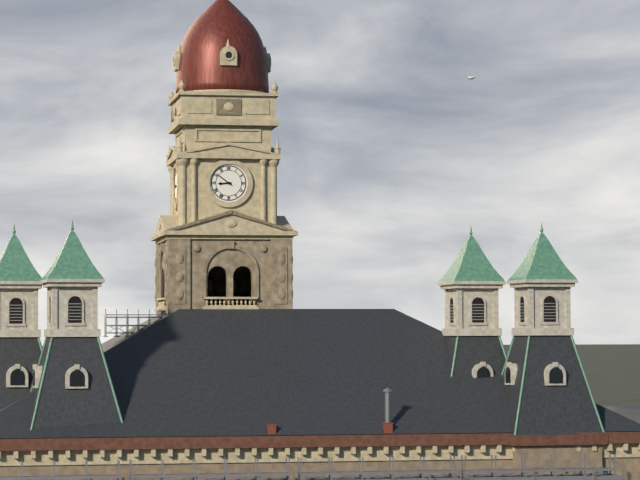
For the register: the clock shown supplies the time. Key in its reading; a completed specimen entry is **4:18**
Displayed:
**8:51**
